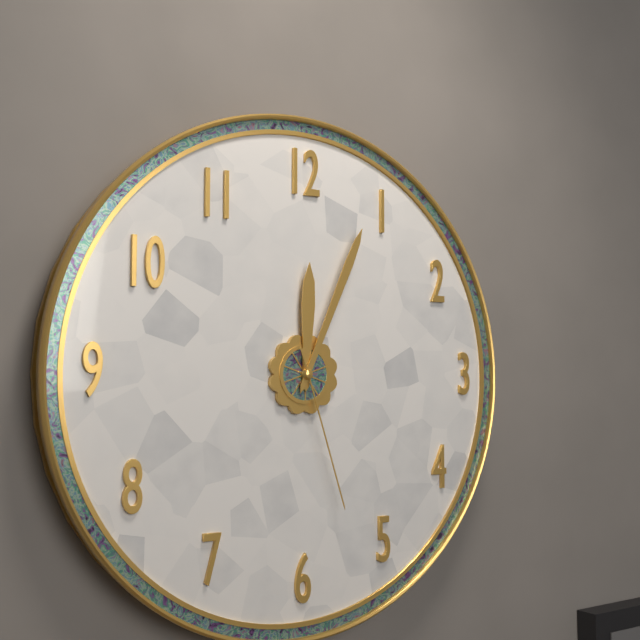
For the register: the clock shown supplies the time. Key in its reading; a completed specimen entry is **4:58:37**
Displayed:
**12:04:27**
